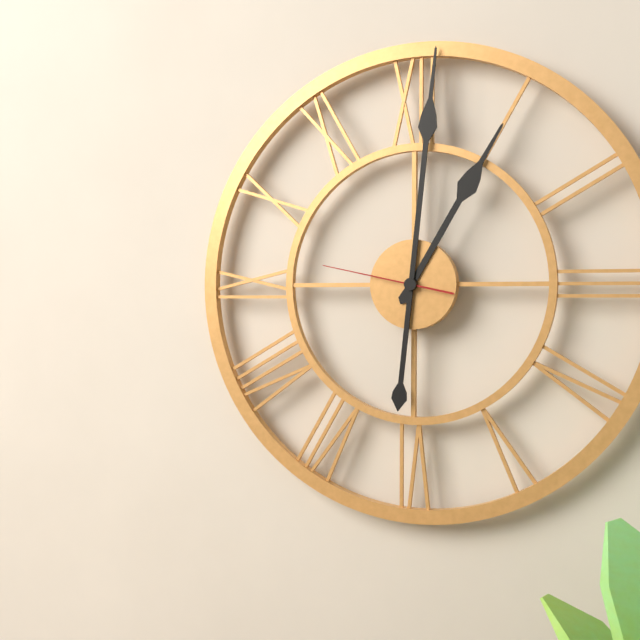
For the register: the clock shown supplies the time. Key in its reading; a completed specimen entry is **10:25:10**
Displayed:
**1:01:47**
